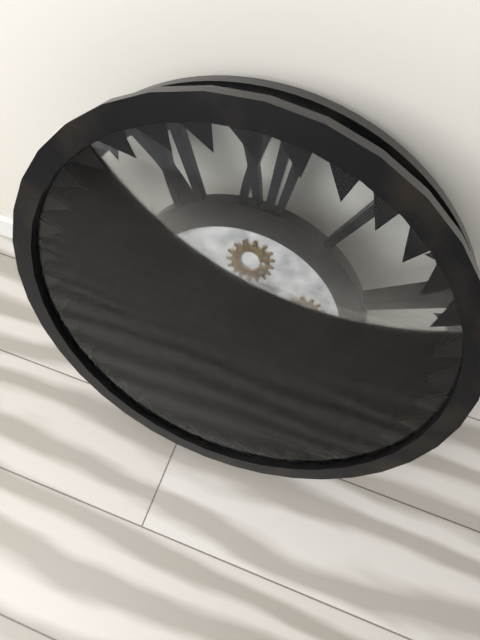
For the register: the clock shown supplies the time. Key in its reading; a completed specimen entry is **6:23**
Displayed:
**8:34**
